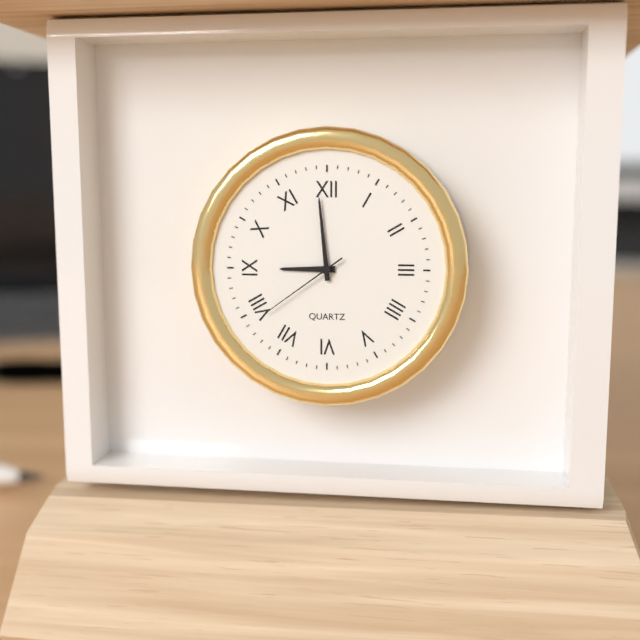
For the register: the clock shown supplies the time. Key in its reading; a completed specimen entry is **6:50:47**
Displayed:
**8:59:39**
